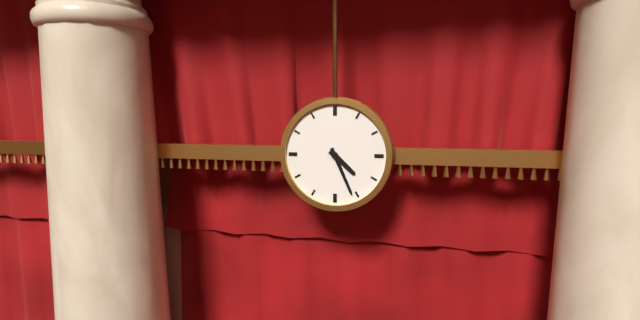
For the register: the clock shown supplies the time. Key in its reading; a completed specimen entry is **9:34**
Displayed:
**4:26**
